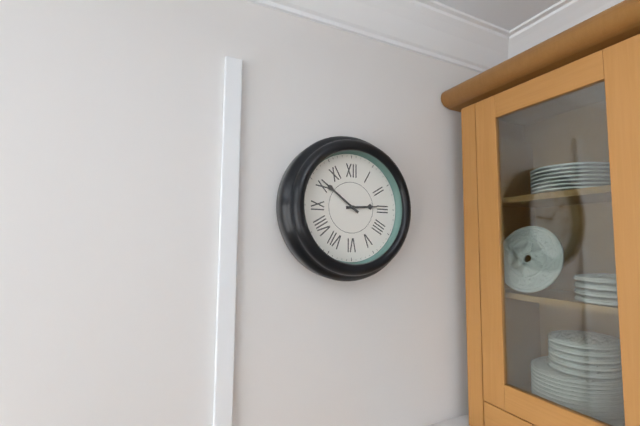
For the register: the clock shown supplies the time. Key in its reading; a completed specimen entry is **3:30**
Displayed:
**2:51**
